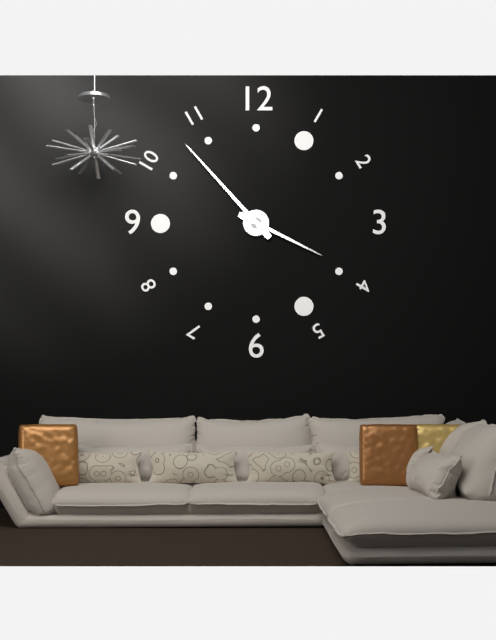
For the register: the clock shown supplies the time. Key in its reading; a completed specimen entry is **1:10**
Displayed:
**3:53**
